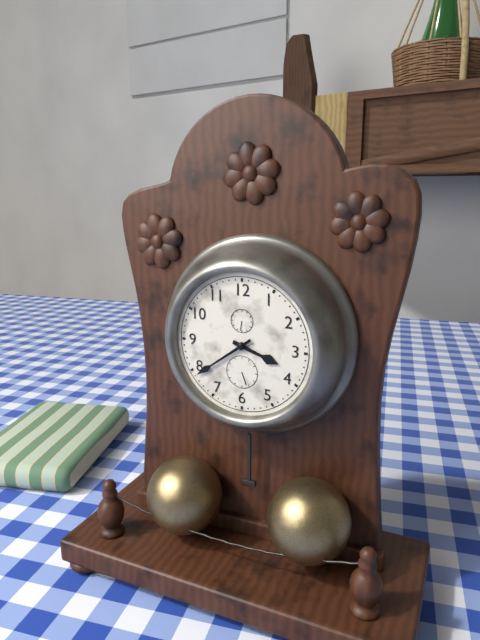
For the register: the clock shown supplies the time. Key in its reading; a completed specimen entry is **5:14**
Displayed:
**3:39**
